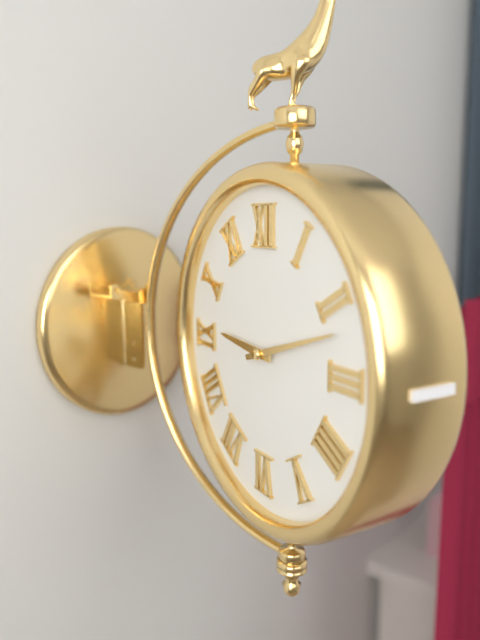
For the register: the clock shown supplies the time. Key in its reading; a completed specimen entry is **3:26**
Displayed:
**9:12**
